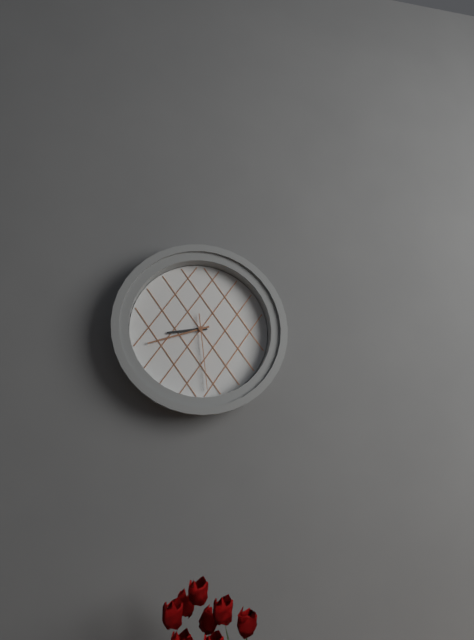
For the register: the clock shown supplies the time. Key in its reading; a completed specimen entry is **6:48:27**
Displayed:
**8:42:29**
